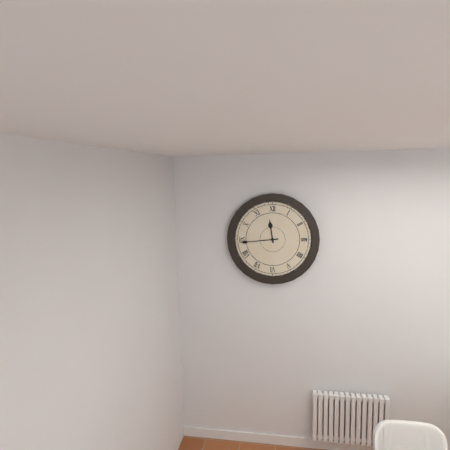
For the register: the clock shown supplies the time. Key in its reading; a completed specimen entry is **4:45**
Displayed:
**11:44**
